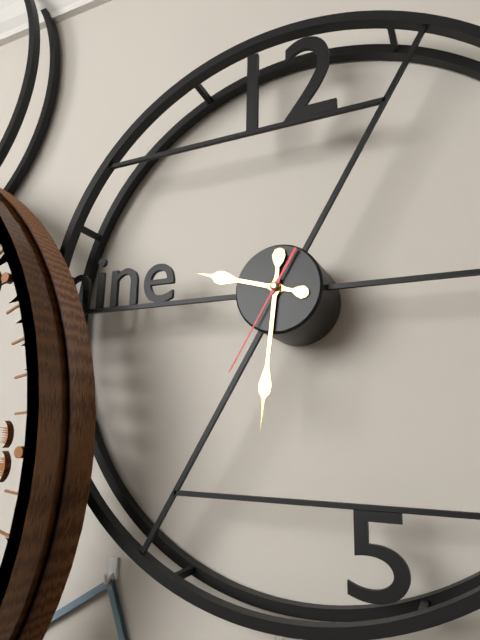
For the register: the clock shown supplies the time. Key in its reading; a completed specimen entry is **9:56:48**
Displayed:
**9:31:35**
